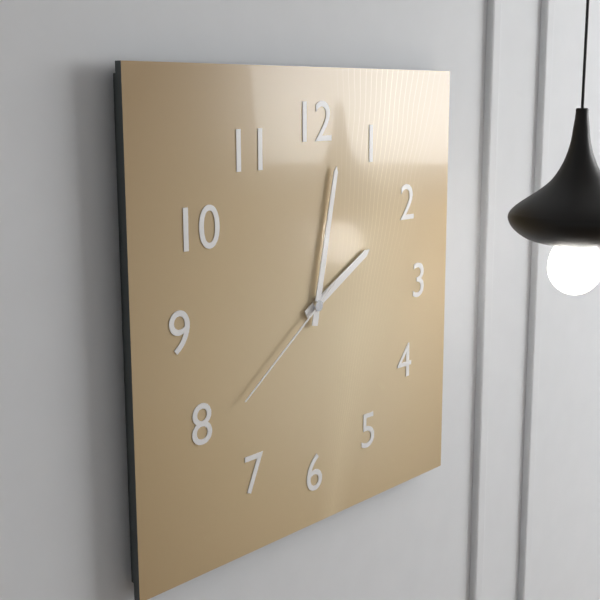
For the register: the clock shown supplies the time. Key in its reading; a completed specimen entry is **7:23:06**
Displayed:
**2:02:39**
